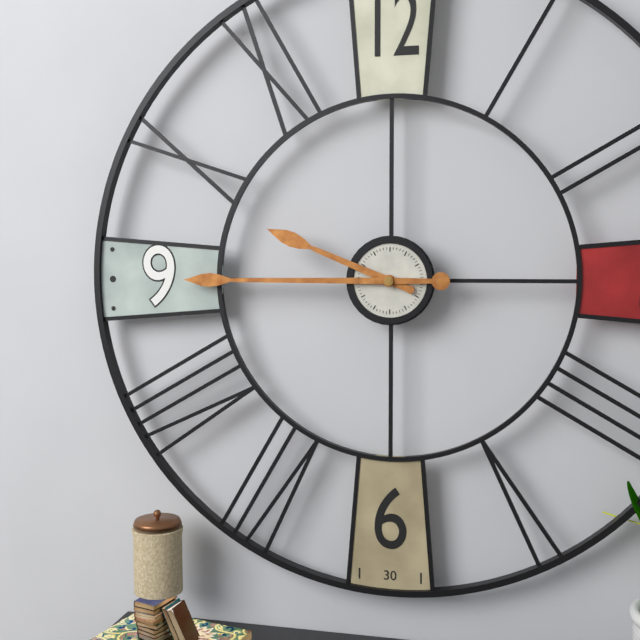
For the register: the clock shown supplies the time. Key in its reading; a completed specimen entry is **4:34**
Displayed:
**9:45**
